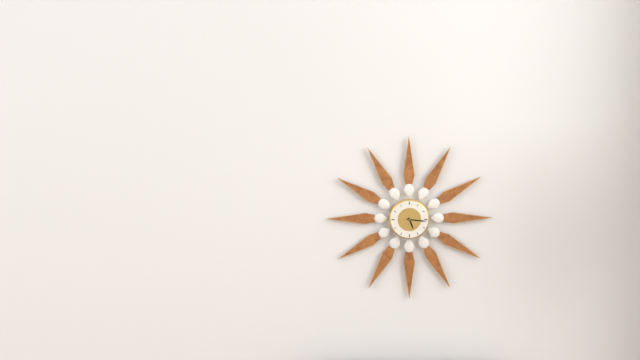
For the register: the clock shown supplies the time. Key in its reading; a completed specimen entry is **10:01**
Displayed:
**5:16**
